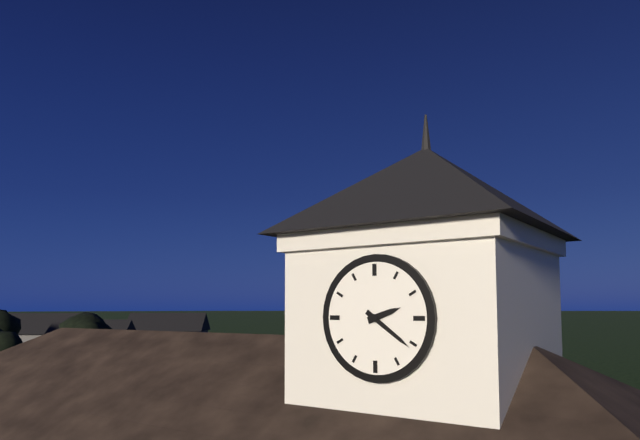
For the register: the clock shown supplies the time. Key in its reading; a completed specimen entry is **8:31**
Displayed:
**2:21**
